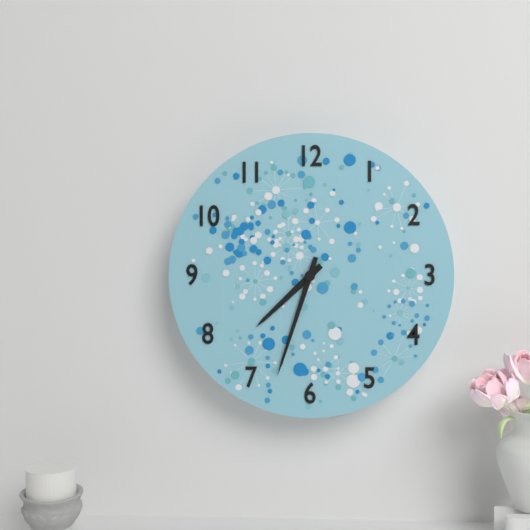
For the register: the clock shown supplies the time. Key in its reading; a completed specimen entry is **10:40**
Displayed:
**7:33**
